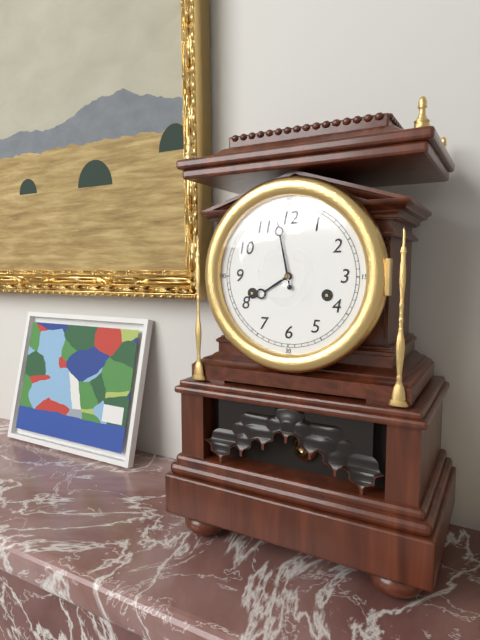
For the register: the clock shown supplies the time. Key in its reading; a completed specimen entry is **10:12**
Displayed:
**7:58**
